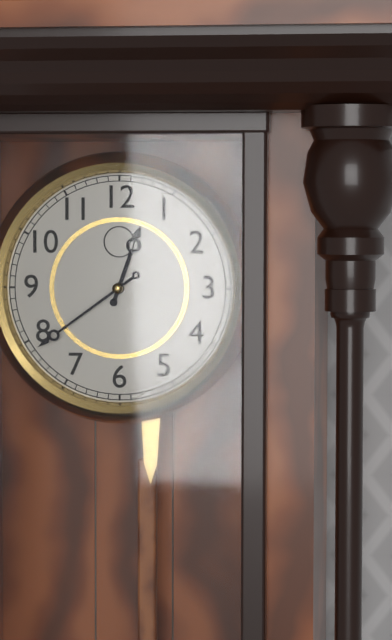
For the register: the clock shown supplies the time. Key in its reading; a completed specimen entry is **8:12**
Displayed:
**12:39**
